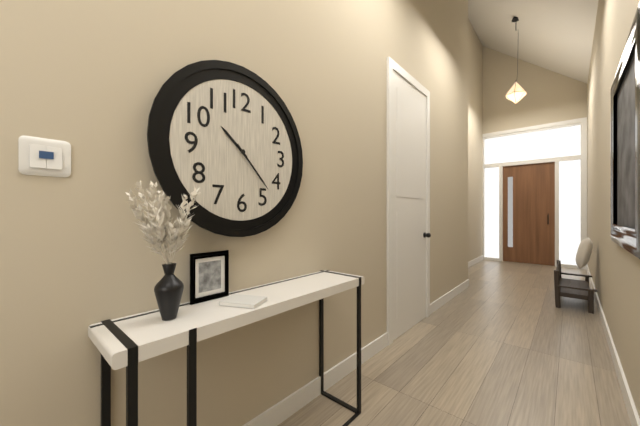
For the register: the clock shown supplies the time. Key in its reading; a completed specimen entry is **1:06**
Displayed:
**10:23**
